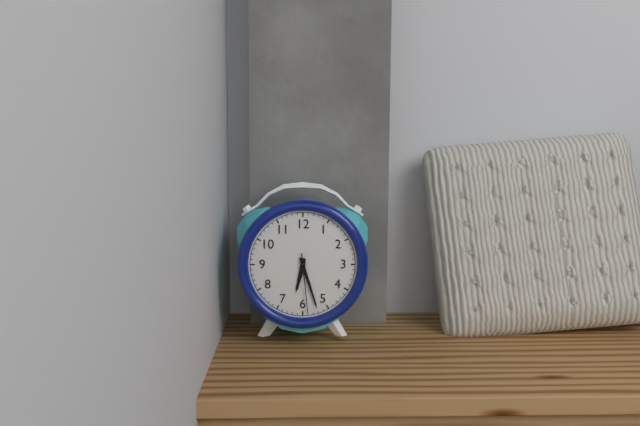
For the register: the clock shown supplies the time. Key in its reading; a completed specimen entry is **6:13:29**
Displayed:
**6:27:29**
